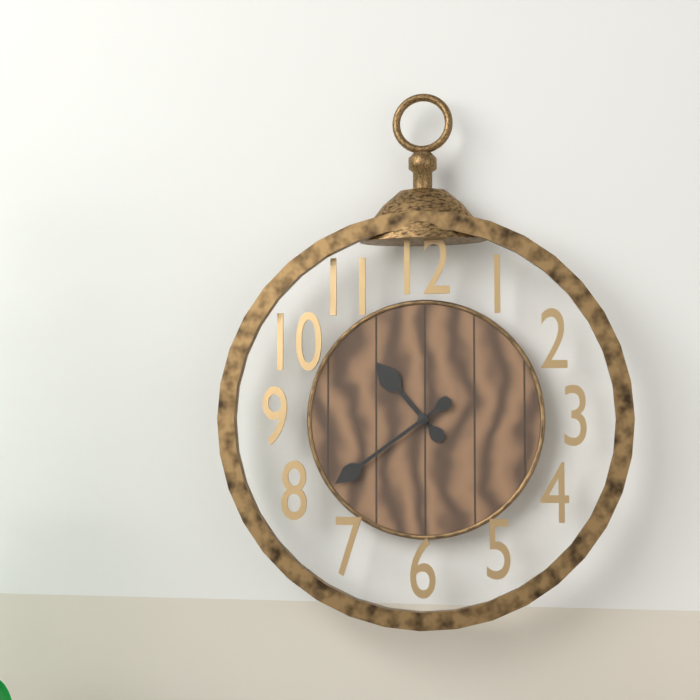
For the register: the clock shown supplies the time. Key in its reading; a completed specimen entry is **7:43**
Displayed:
**10:39**
